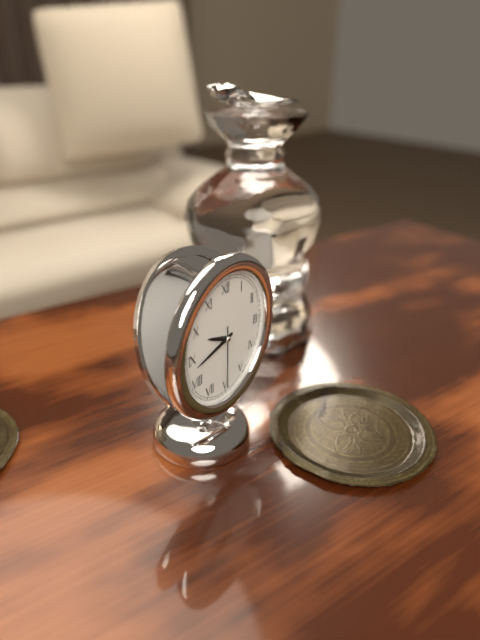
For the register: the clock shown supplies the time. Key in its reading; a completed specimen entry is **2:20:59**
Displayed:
**9:43:30**
